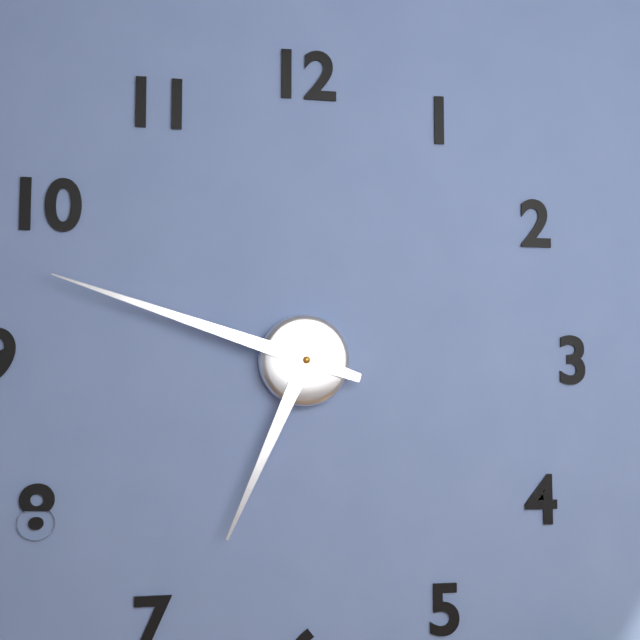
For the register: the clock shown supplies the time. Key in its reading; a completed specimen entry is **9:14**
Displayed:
**6:48**
